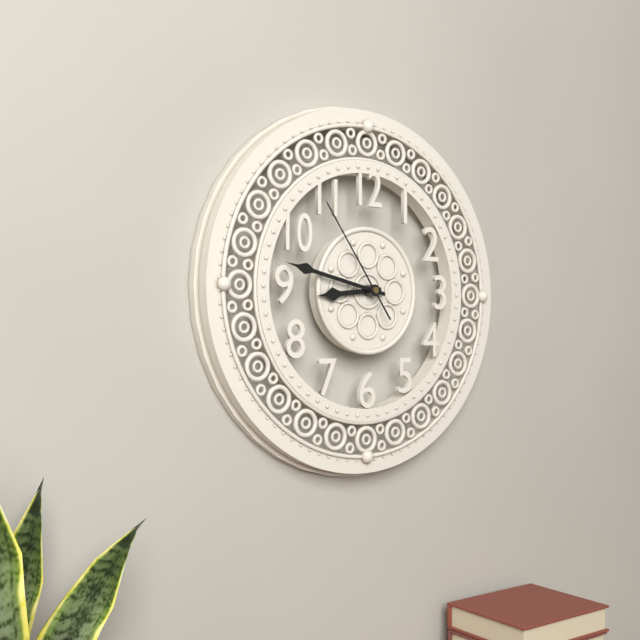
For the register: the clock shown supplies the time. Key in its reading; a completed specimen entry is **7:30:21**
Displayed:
**8:47:54**
